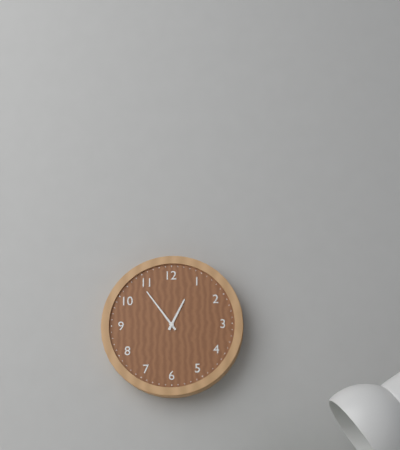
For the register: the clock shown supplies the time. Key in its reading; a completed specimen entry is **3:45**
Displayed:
**12:54**
